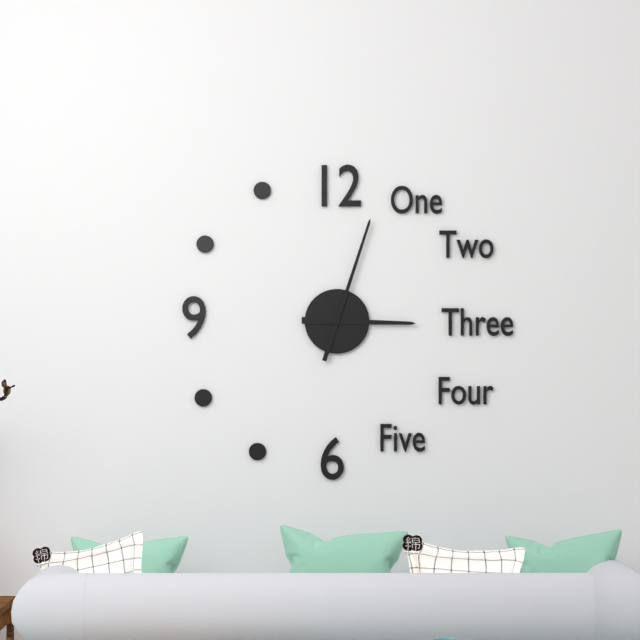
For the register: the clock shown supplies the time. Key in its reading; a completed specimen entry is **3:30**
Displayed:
**3:03**
